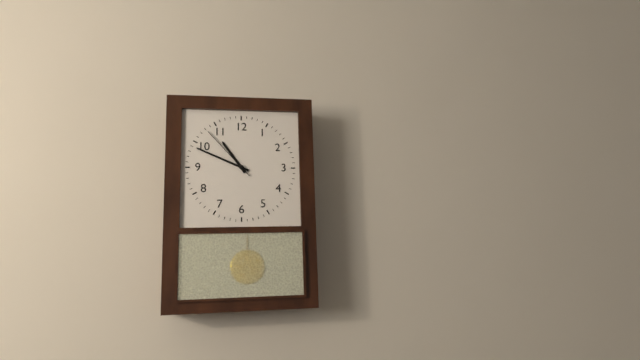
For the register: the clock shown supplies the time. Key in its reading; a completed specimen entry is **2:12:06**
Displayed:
**10:49:53**
